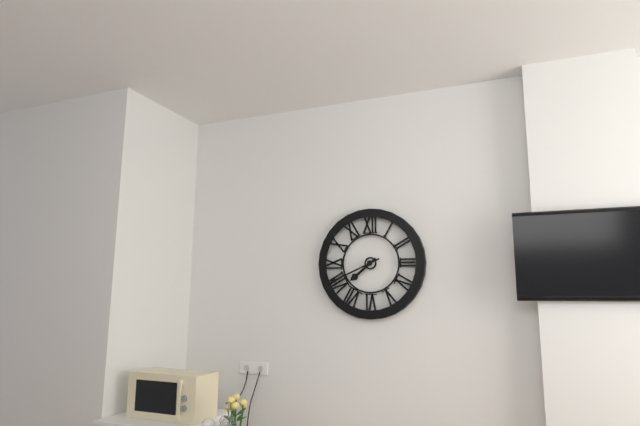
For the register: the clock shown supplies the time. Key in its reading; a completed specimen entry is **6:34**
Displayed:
**7:41**
